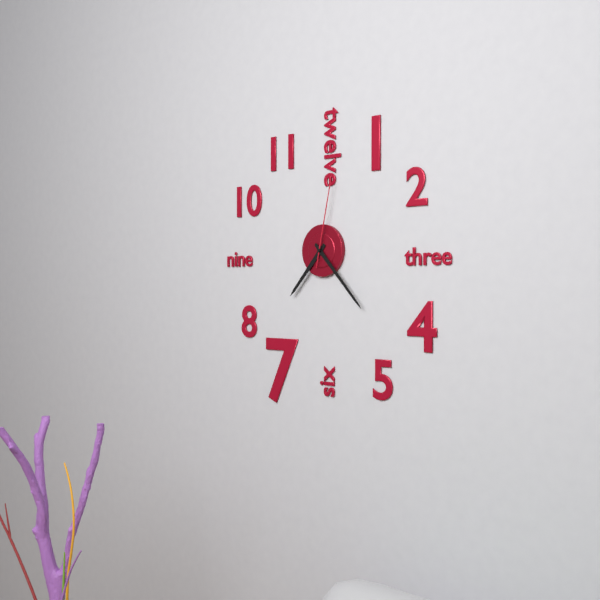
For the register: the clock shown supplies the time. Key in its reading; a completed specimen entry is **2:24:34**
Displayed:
**7:23:02**
